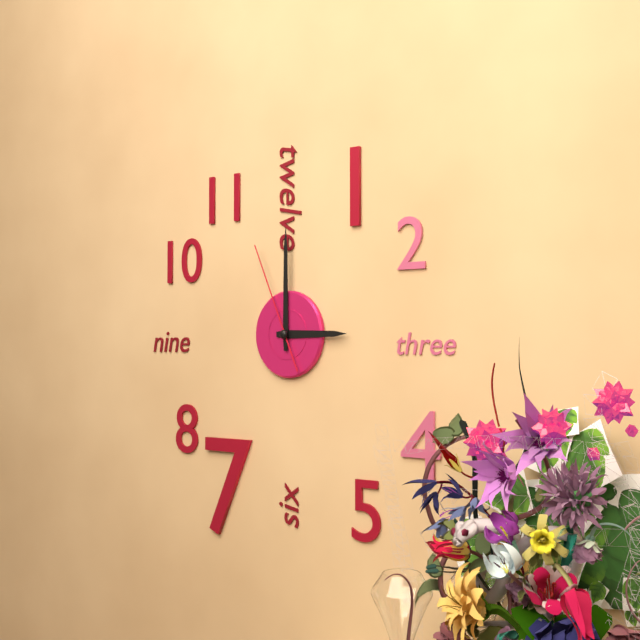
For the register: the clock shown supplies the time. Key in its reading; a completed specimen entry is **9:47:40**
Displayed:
**3:00:56**
